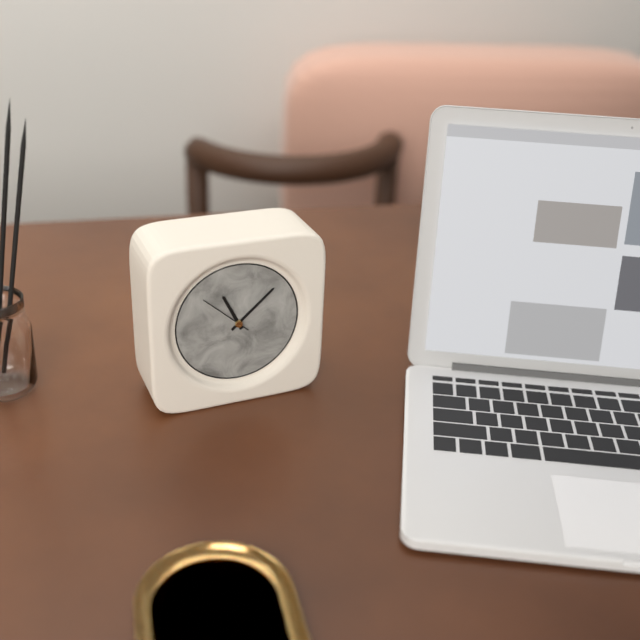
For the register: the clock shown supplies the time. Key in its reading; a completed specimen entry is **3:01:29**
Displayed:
**11:08:52**
